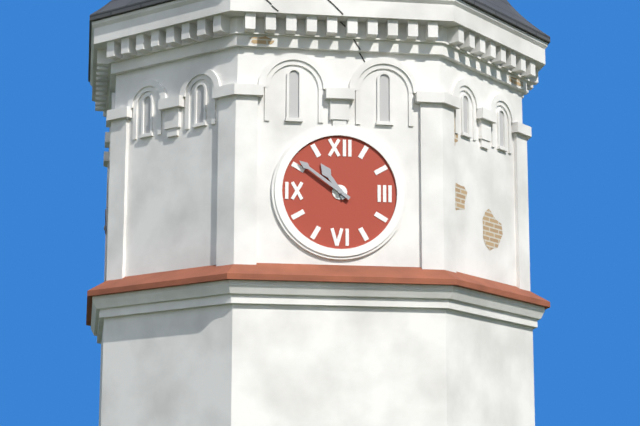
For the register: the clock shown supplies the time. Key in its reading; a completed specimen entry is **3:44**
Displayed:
**10:51**
